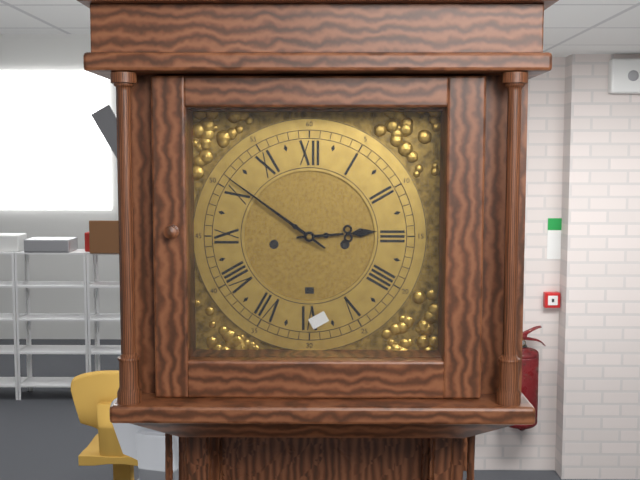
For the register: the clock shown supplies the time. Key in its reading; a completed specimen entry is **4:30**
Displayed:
**2:51**
